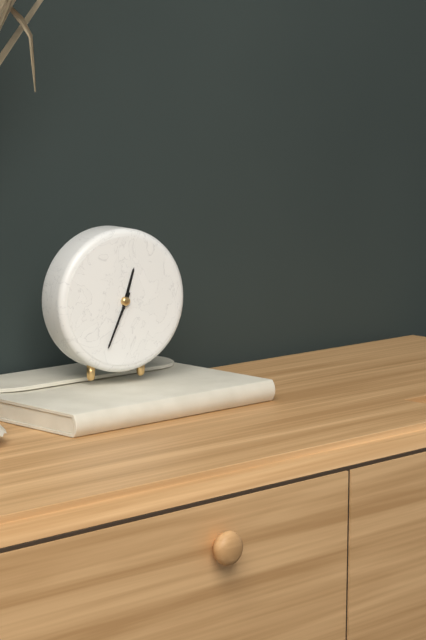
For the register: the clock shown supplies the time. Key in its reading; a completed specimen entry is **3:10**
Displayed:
**12:34**
